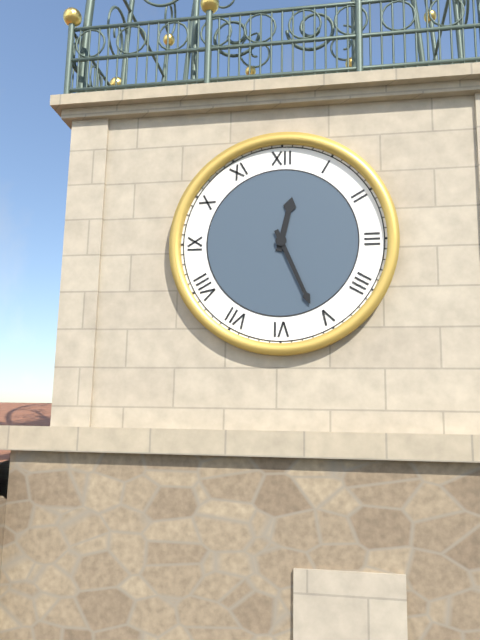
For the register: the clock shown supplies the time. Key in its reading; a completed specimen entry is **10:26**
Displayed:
**12:26**
